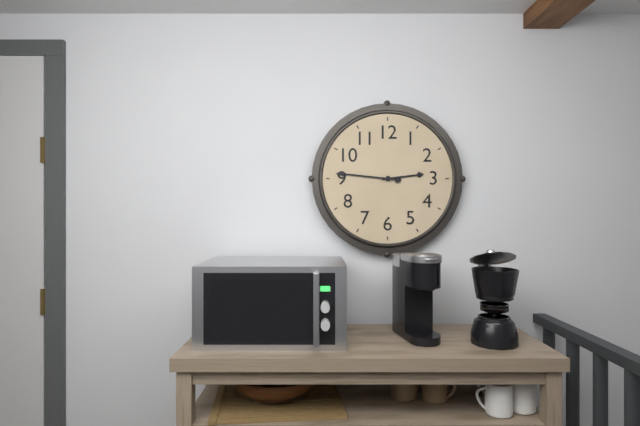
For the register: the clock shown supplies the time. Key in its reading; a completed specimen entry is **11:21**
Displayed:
**2:46**
